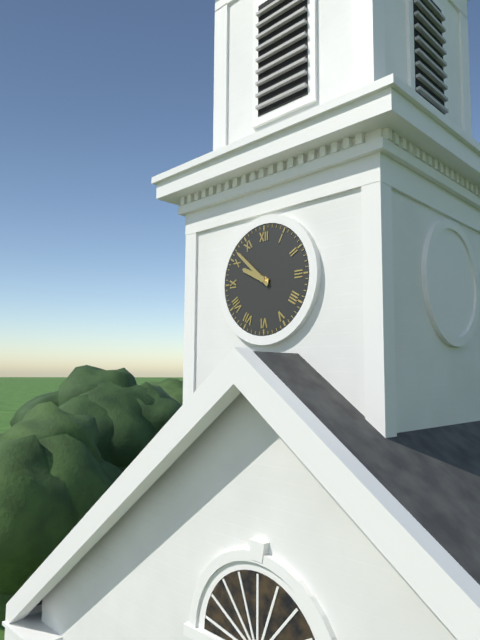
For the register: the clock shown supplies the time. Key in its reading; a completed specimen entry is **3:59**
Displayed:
**9:52**
